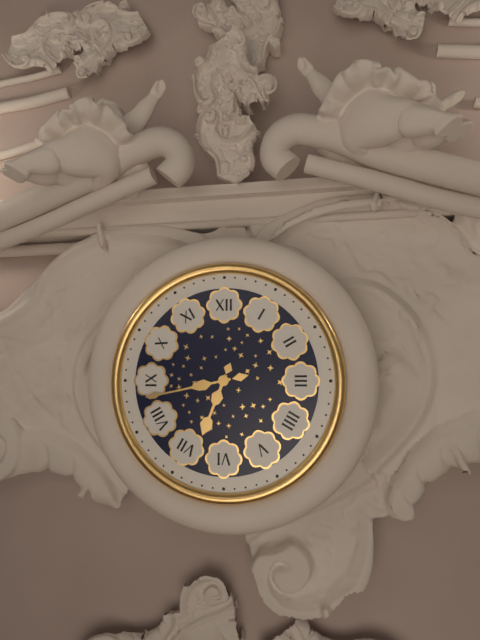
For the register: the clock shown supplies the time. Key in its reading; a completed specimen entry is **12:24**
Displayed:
**6:43**
